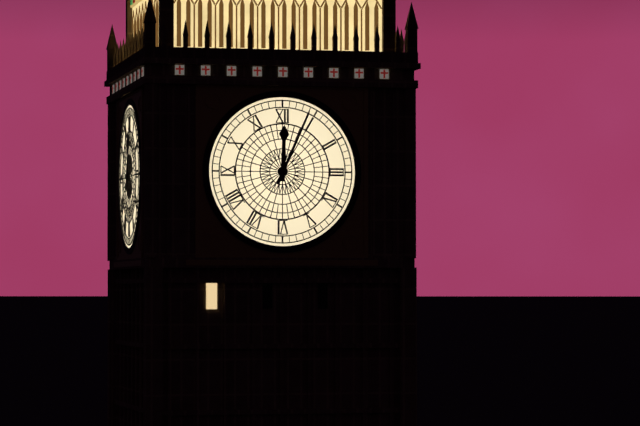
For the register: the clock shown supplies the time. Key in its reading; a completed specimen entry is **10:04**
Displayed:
**12:04**
